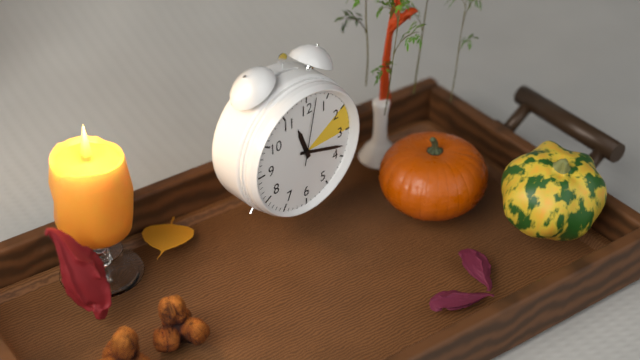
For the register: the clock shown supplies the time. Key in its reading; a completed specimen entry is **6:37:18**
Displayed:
**11:18:02**
